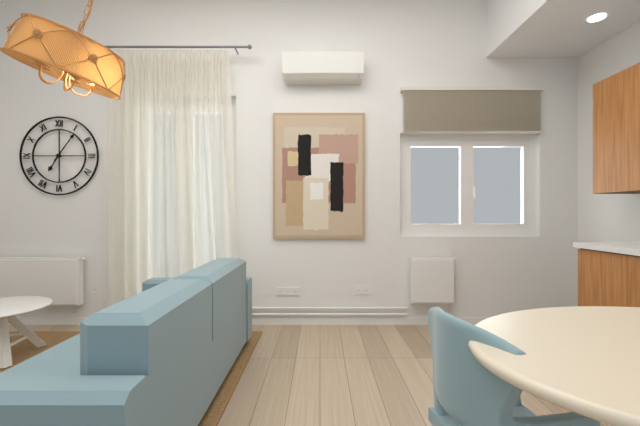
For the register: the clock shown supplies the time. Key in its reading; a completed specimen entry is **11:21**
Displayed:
**7:06**
